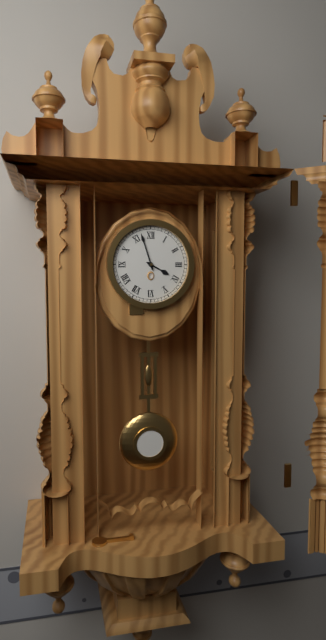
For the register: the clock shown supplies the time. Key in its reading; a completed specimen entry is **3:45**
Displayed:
**3:57**
